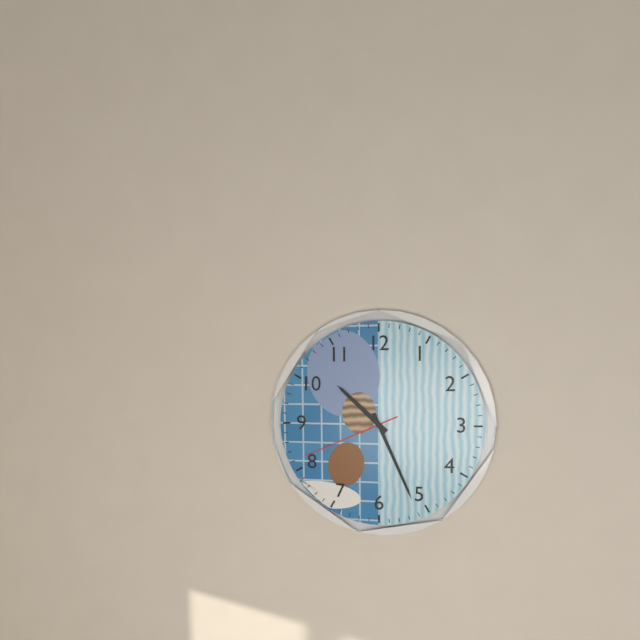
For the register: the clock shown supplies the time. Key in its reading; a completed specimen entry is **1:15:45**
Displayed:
**10:26:41**
